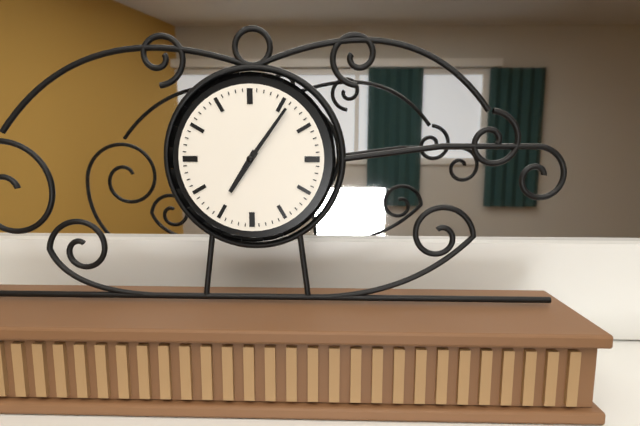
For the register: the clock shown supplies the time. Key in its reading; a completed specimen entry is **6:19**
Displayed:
**7:06**
